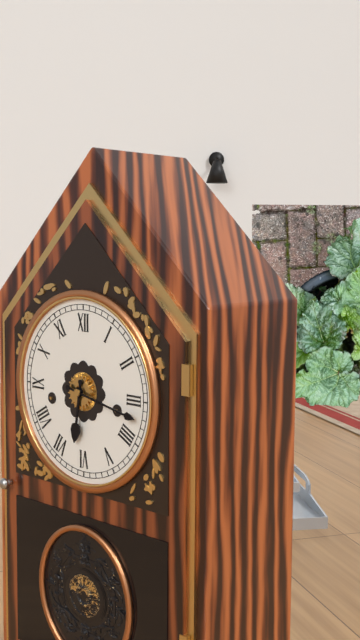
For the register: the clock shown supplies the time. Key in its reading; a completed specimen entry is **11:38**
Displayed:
**6:17**
